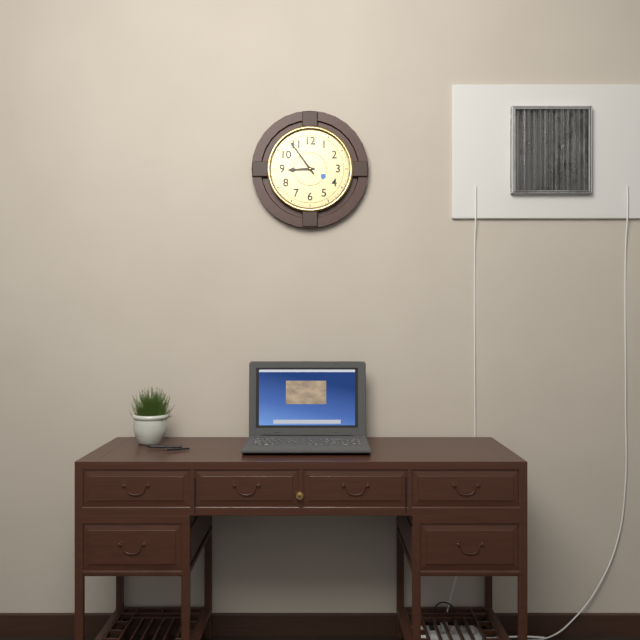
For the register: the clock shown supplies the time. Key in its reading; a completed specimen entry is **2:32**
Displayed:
**8:54**
